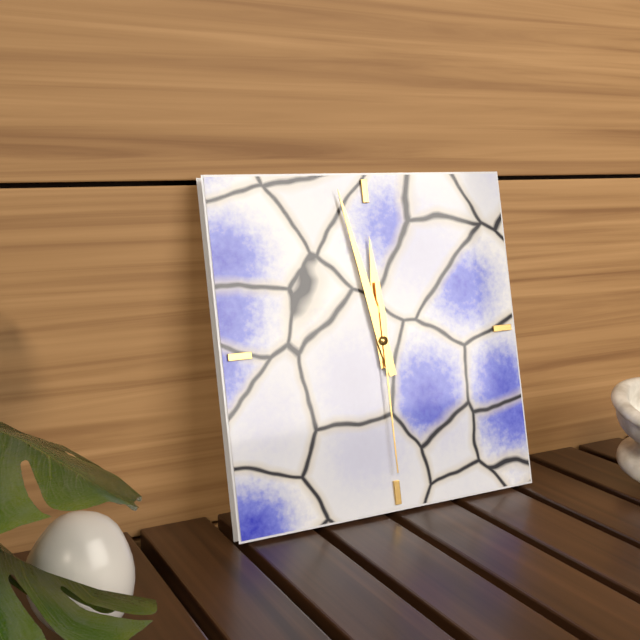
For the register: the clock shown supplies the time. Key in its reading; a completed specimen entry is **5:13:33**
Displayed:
**11:58:30**
